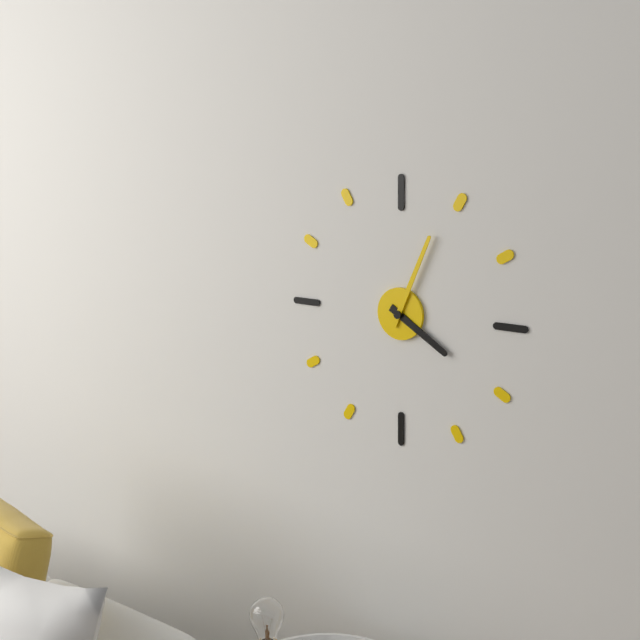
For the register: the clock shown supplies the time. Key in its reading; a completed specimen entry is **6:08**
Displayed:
**4:04**
